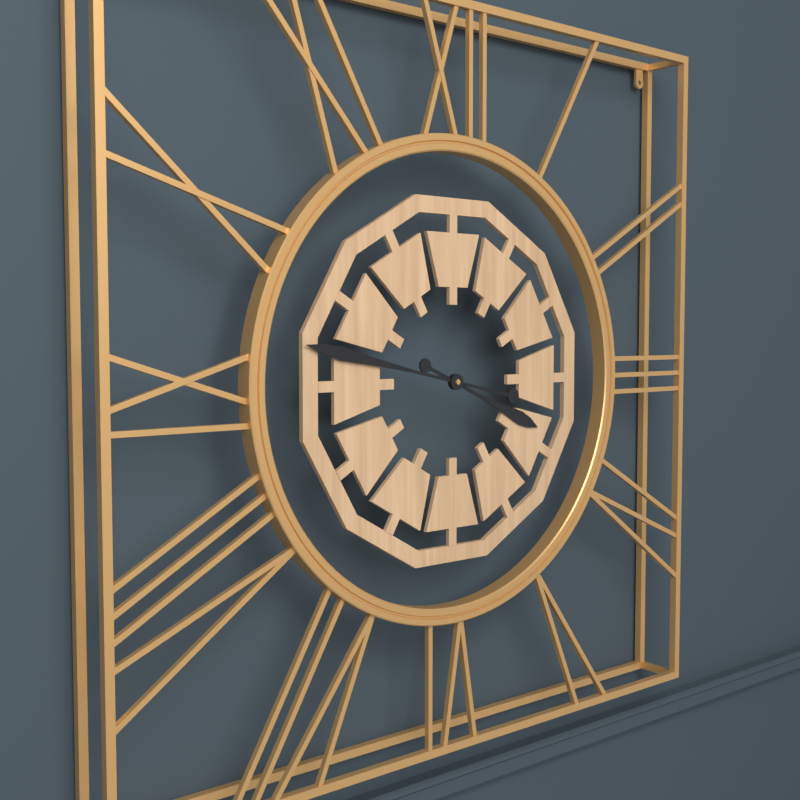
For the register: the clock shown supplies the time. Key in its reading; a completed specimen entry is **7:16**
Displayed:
**3:47**
